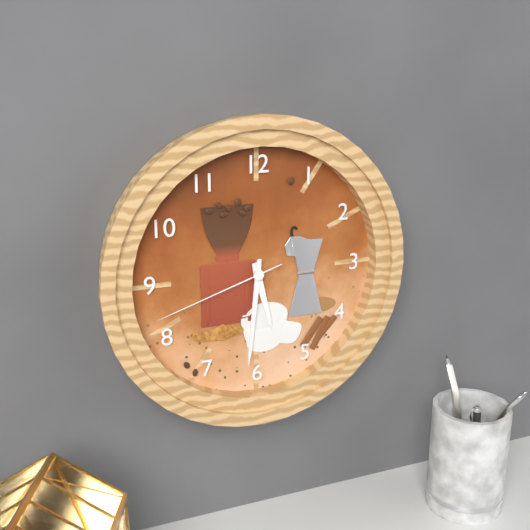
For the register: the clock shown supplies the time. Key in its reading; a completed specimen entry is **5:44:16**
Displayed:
**5:31:42**
